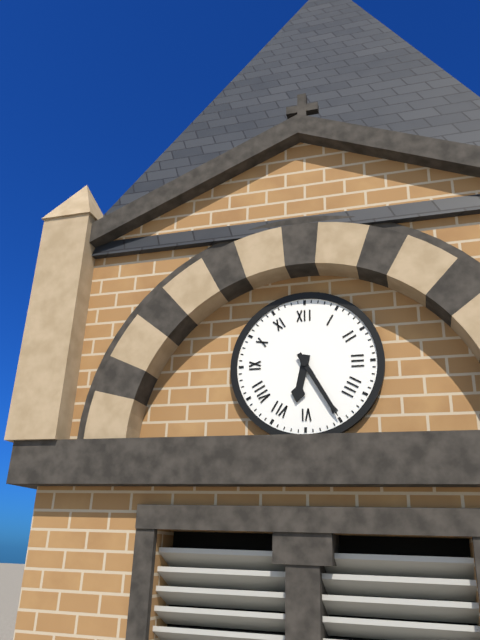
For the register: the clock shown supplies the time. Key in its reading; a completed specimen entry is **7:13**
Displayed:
**6:25**
